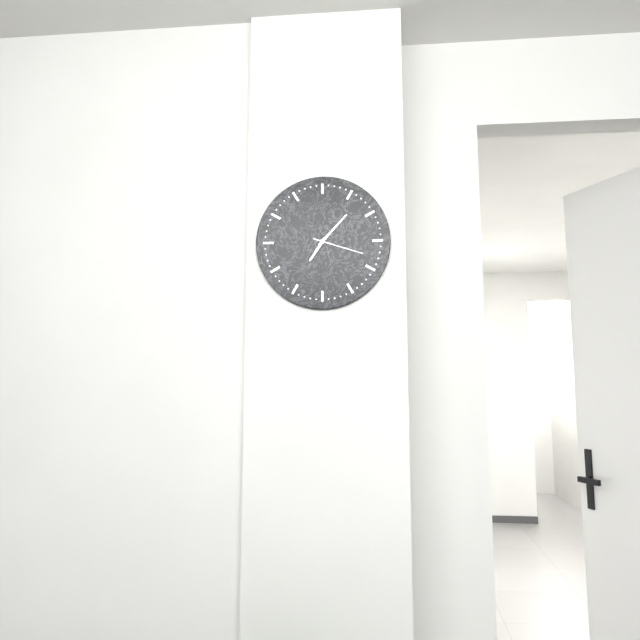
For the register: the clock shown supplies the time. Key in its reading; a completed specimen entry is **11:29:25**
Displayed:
**7:07:18**
